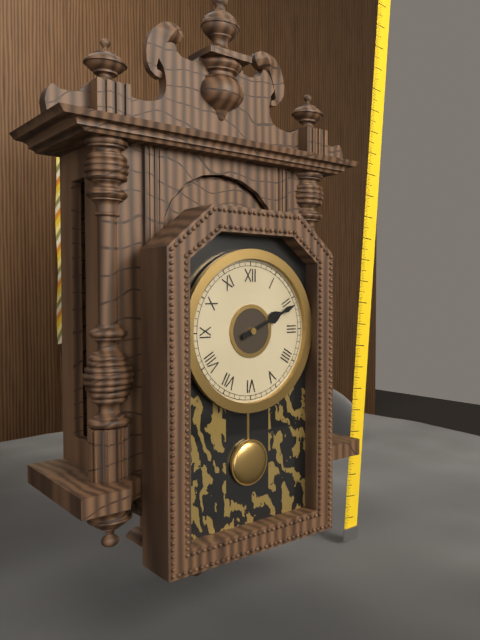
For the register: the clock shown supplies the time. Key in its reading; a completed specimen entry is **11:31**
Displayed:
**2:11**
